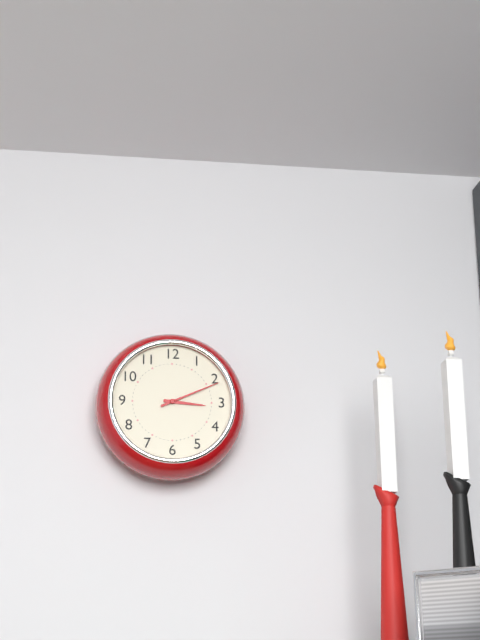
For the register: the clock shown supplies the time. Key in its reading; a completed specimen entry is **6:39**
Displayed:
**3:11**
